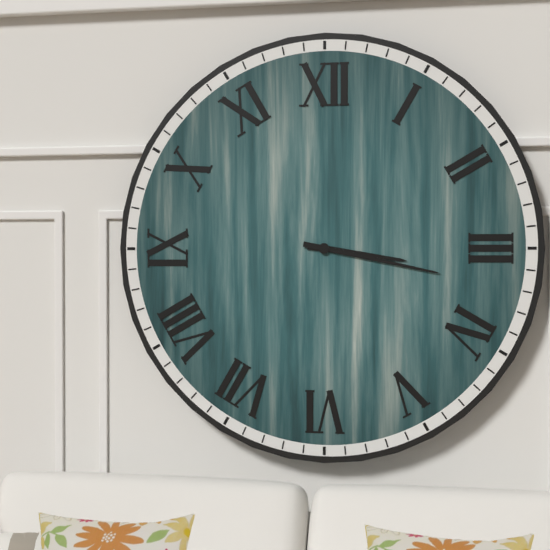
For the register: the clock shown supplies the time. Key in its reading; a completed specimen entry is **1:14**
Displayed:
**3:17**
